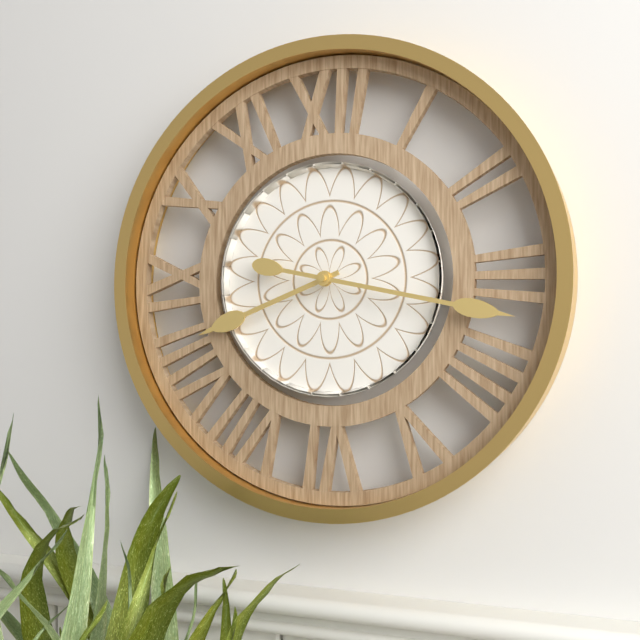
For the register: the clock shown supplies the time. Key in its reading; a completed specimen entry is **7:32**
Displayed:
**8:17**
